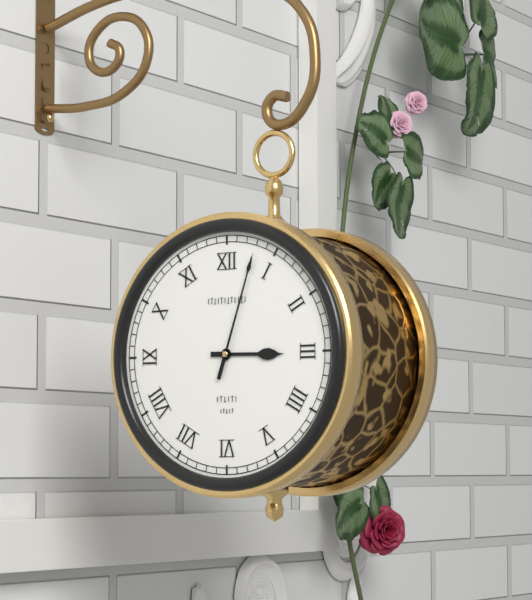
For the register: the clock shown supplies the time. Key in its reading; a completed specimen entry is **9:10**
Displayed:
**3:03**
